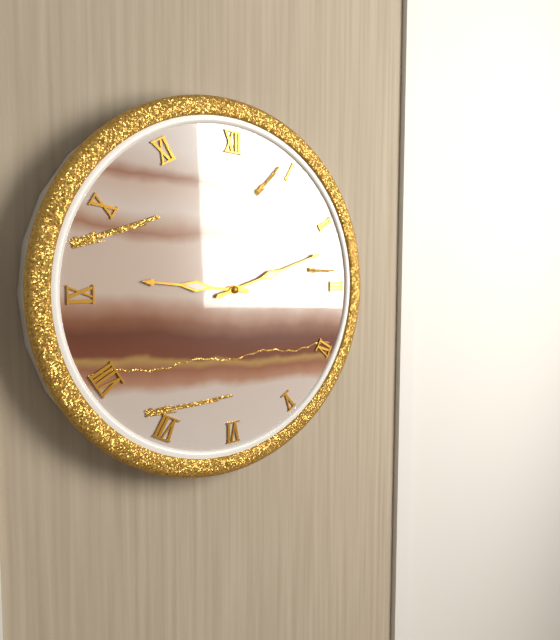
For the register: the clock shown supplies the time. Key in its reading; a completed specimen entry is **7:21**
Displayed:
**9:12**
